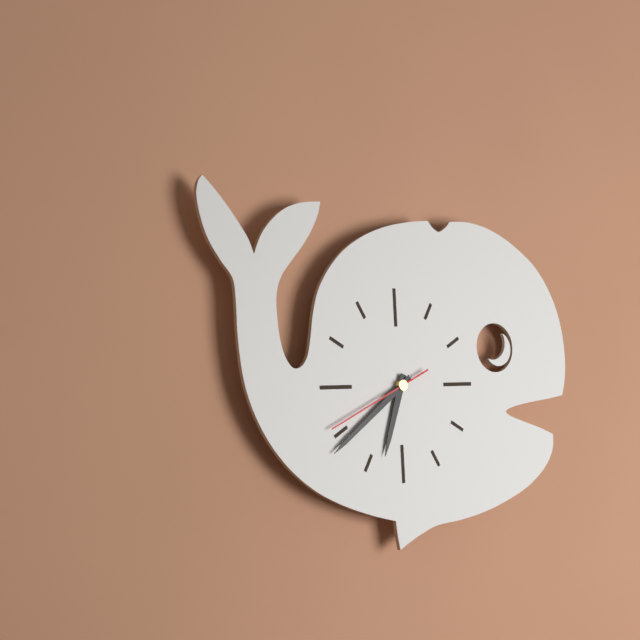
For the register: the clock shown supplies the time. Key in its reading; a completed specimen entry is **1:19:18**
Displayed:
**6:39:41**
